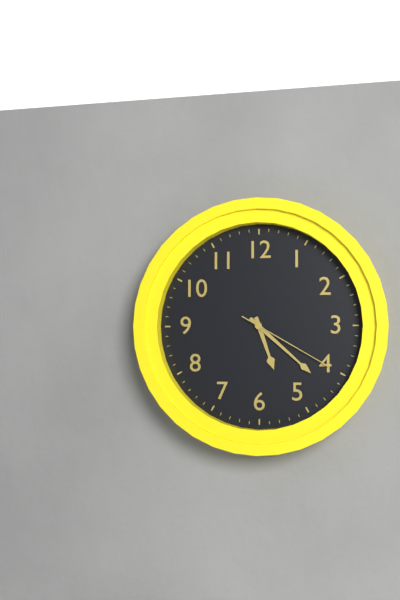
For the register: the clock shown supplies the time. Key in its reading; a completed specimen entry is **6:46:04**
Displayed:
**5:22:20**
